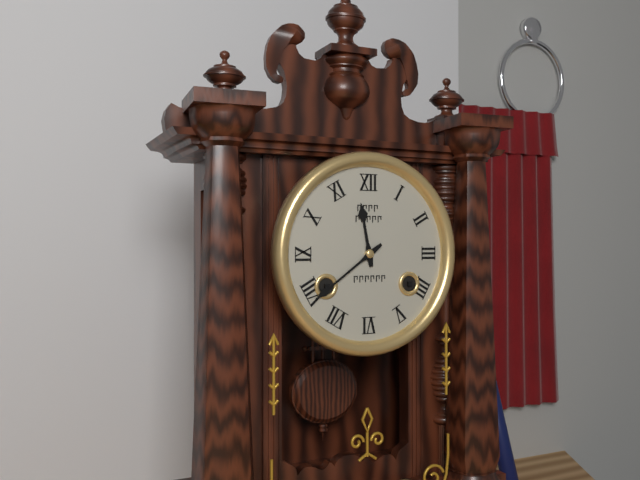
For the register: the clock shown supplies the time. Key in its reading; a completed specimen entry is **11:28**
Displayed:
**11:39**
